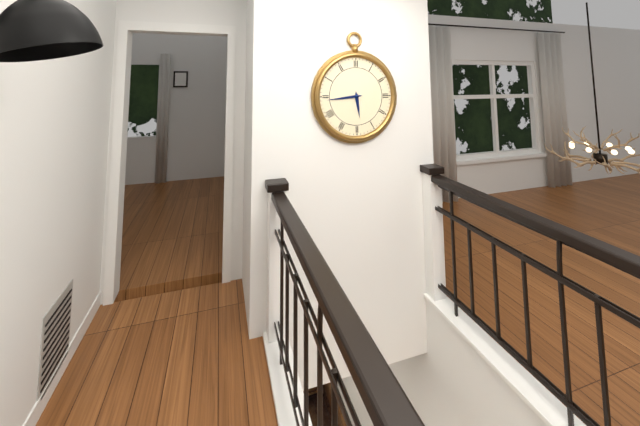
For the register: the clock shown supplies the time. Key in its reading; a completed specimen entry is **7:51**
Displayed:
**5:44**
